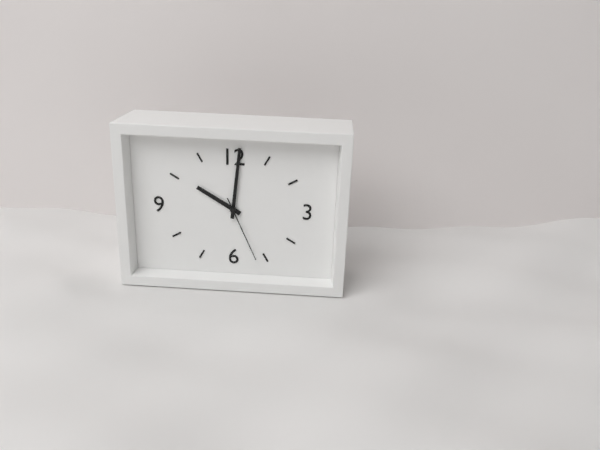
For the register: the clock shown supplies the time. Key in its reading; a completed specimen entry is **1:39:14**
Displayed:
**10:01:26**
